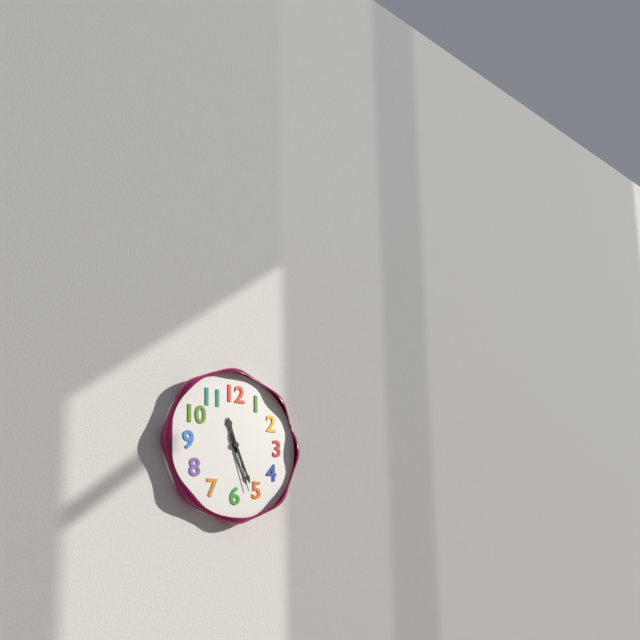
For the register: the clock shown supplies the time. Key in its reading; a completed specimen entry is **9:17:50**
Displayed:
**11:26:27**
